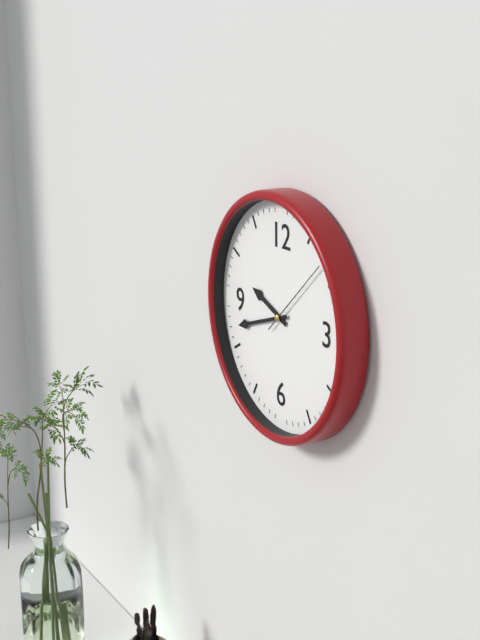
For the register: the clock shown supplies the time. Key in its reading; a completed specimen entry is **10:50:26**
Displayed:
**9:42:08**
